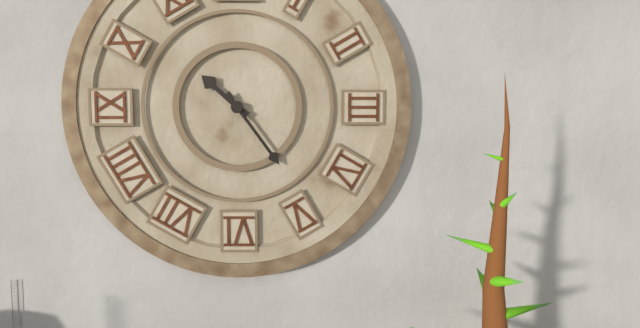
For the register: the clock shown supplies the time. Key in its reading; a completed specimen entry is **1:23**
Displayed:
**10:24**
